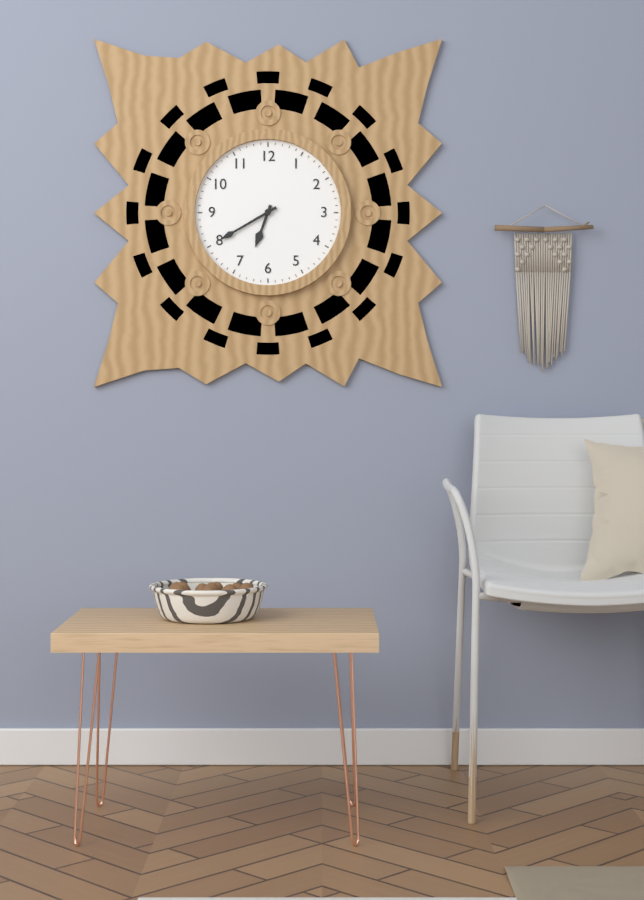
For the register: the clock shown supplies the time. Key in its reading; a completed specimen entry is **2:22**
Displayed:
**6:40**
